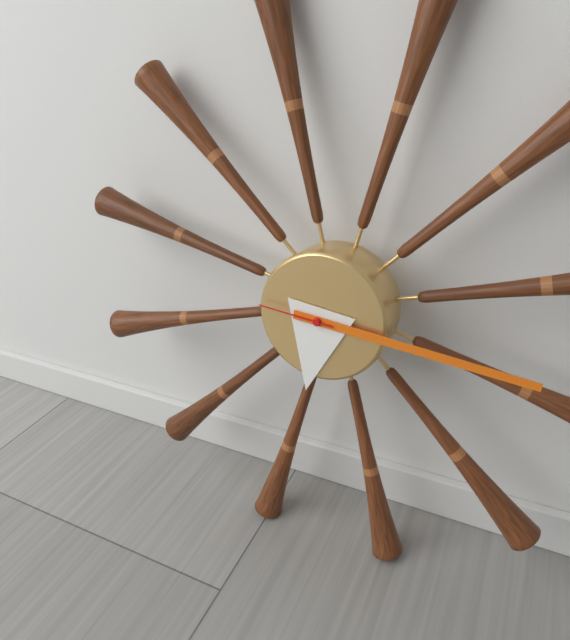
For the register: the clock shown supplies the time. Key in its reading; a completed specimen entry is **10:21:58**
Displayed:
**6:16:46**
